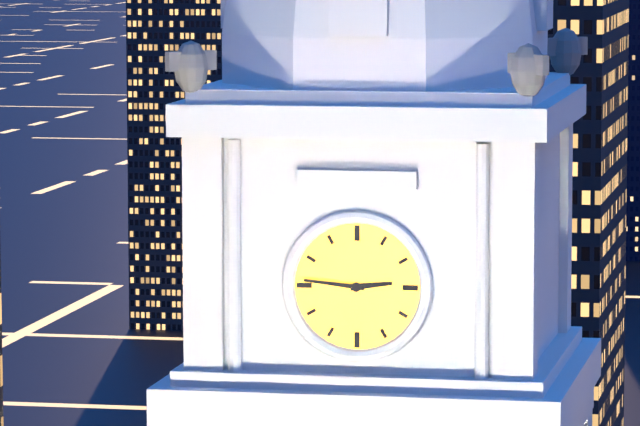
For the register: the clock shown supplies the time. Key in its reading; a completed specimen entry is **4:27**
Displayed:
**2:46**
